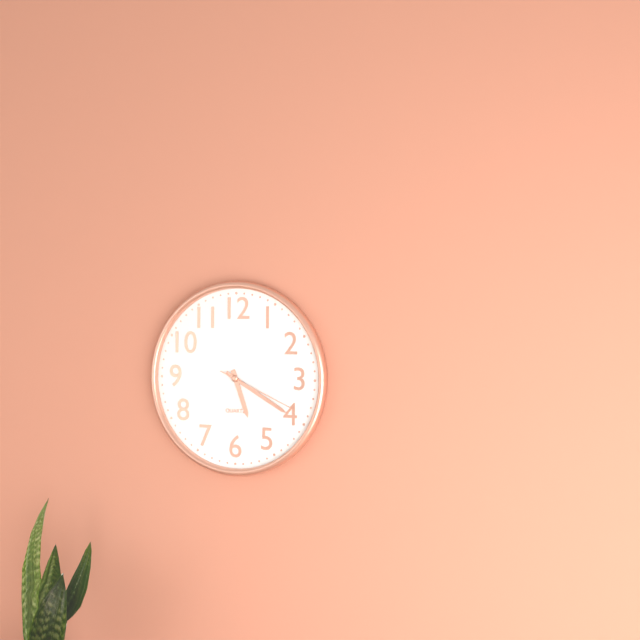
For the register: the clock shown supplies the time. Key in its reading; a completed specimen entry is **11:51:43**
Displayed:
**5:20:19**
